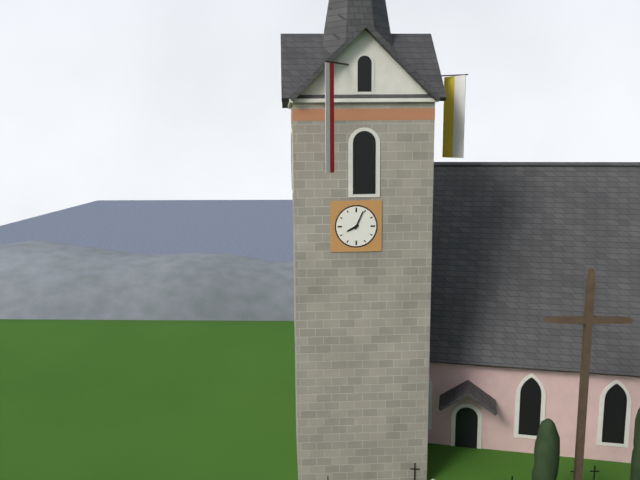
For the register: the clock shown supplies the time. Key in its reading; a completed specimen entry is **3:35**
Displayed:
**8:04**
